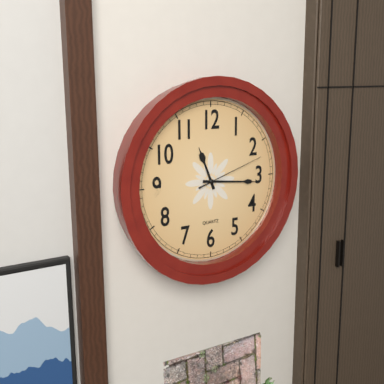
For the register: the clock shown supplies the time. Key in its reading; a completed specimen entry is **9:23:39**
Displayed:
**11:16:12**
